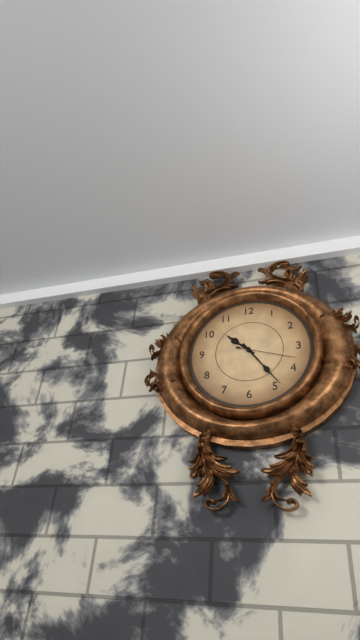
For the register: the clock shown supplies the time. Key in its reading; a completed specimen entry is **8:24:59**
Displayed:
**10:24:18**
